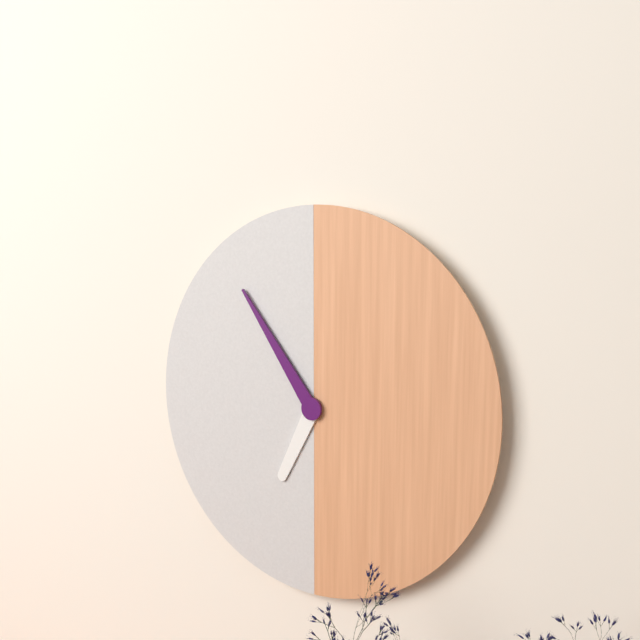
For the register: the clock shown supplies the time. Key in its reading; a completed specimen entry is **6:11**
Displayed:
**6:54**
